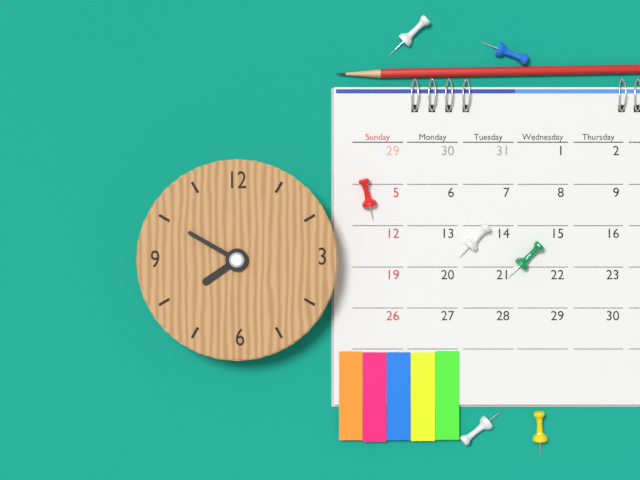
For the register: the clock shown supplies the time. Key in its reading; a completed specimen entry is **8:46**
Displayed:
**7:50**
